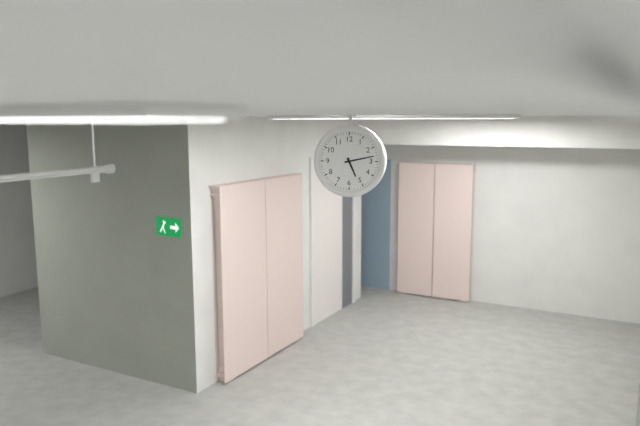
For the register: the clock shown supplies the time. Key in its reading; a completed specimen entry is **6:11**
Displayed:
**5:13**
